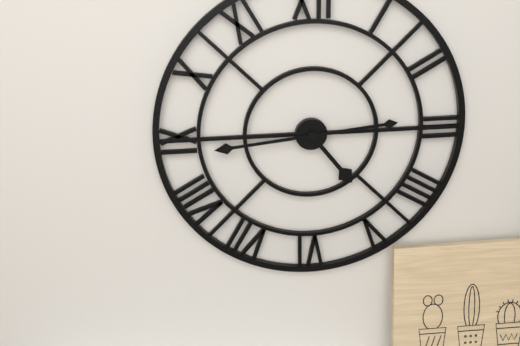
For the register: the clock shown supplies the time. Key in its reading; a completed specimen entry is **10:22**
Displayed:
**4:44**
